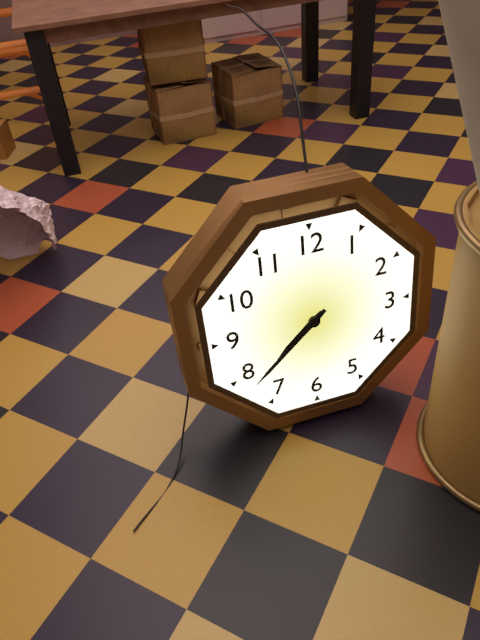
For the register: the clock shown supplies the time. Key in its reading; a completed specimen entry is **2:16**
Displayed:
**7:38**
